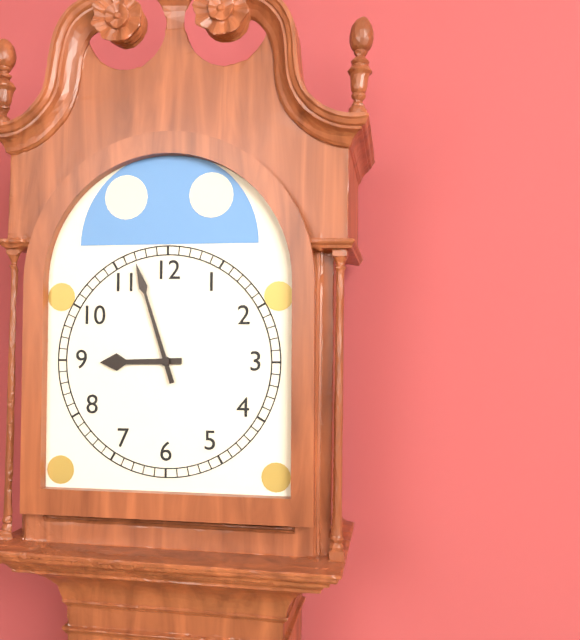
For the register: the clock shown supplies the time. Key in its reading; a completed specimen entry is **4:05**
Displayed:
**8:57**
